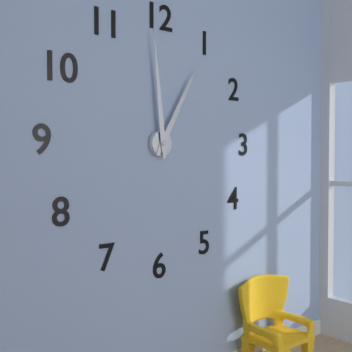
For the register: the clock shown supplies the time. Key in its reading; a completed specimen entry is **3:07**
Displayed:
**12:59**
